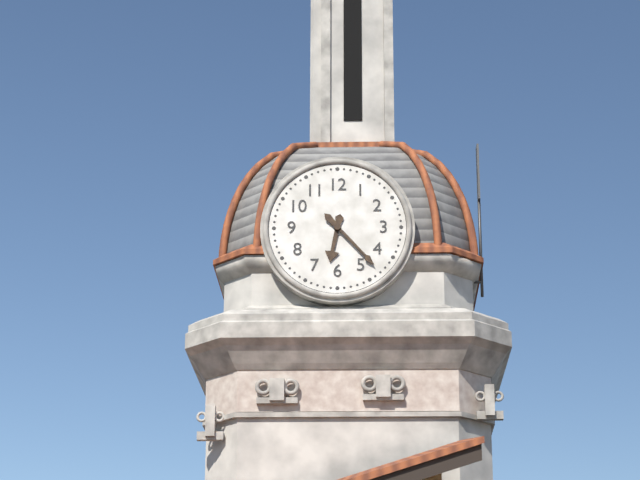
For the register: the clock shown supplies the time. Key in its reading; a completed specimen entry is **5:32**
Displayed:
**6:23**
